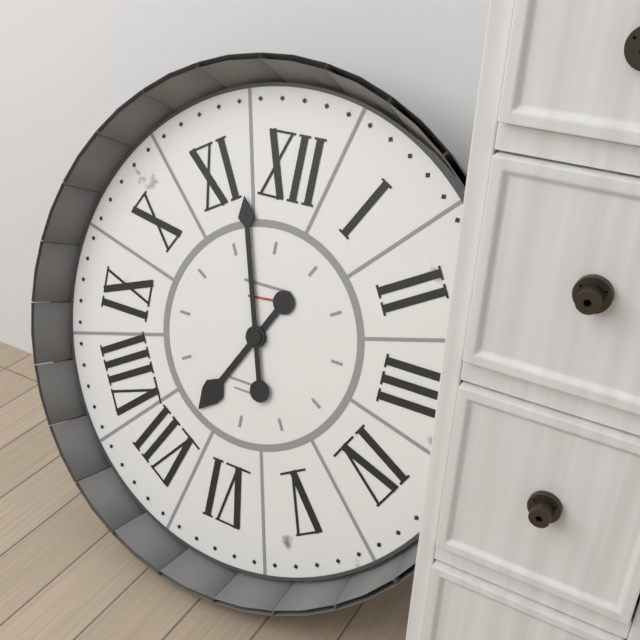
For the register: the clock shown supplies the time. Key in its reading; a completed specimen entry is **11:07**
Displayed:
**6:57**
